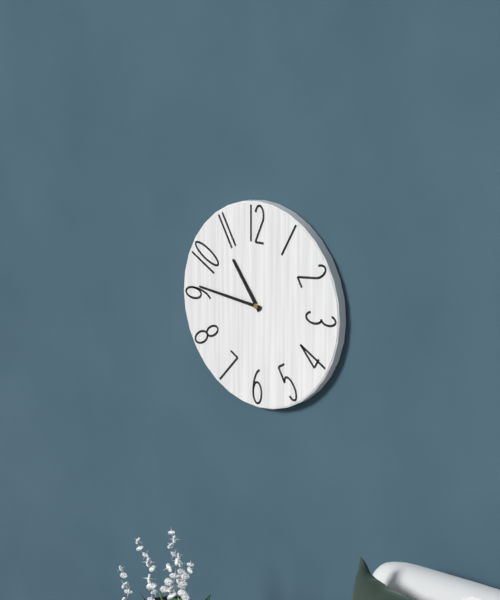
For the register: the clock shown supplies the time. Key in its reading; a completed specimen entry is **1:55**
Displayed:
**10:46**
